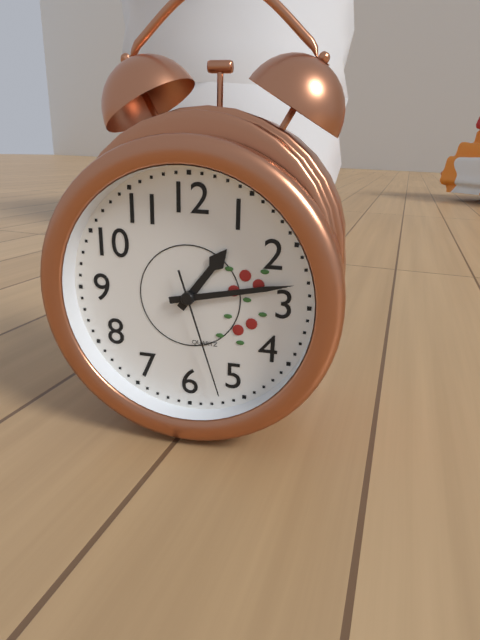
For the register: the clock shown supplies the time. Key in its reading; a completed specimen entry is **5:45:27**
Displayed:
**1:13:27**
